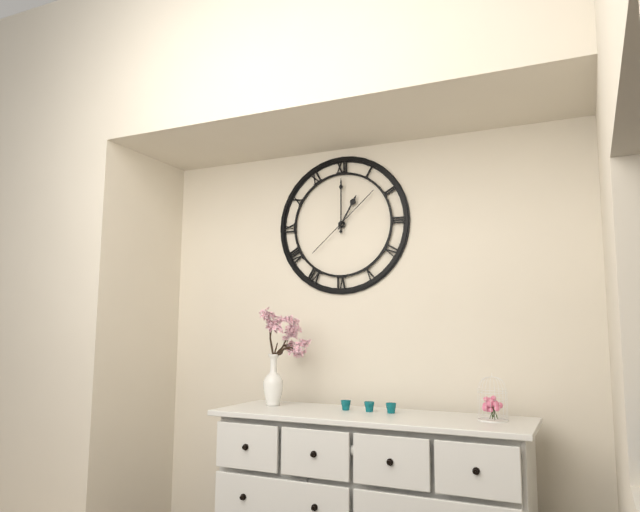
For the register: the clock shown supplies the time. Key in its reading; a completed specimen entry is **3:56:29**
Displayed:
**1:00:08**
